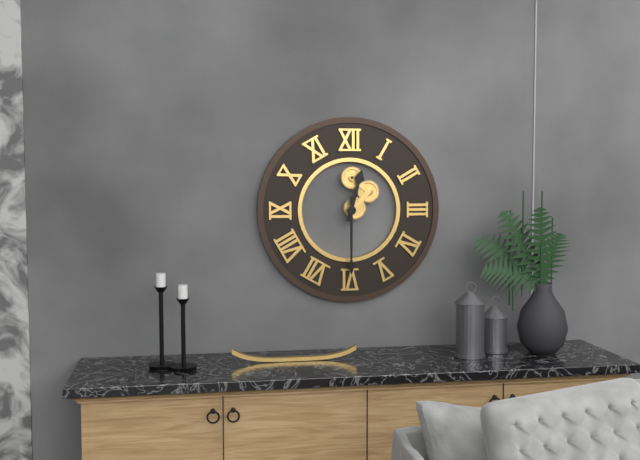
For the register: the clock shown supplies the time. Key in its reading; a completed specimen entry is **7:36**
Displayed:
**12:30**
